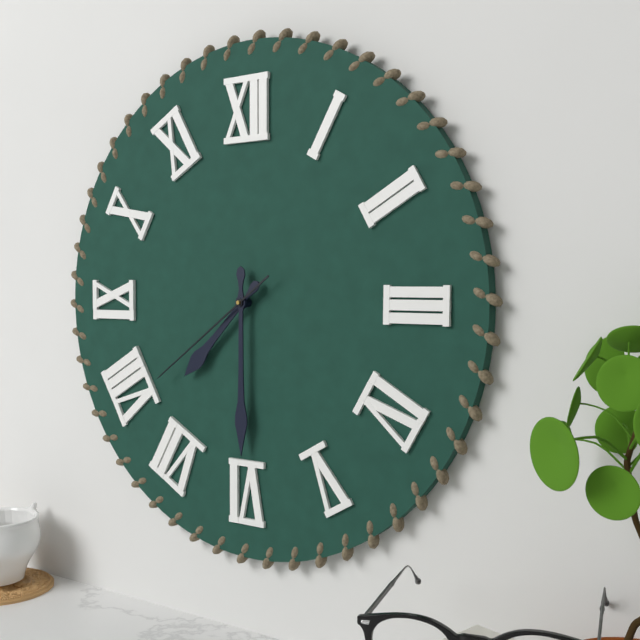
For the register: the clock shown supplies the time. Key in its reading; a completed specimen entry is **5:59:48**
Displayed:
**7:30:39**
